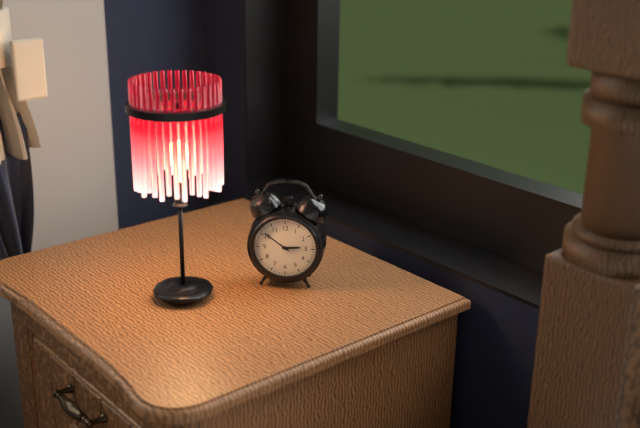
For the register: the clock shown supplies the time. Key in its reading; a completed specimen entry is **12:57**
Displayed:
**2:51**
